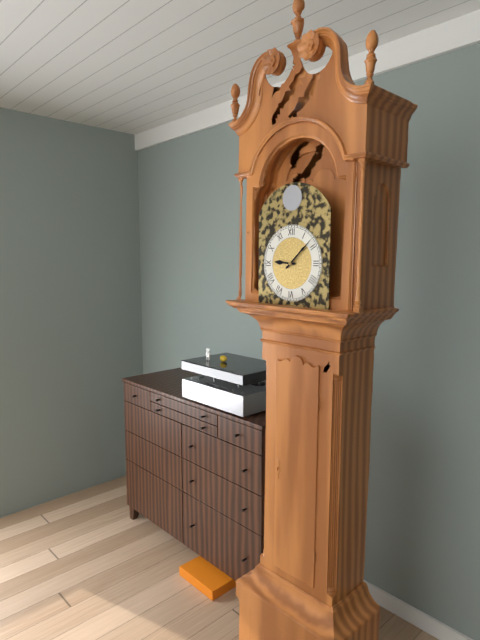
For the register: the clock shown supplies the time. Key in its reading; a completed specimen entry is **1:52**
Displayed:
**9:08**
